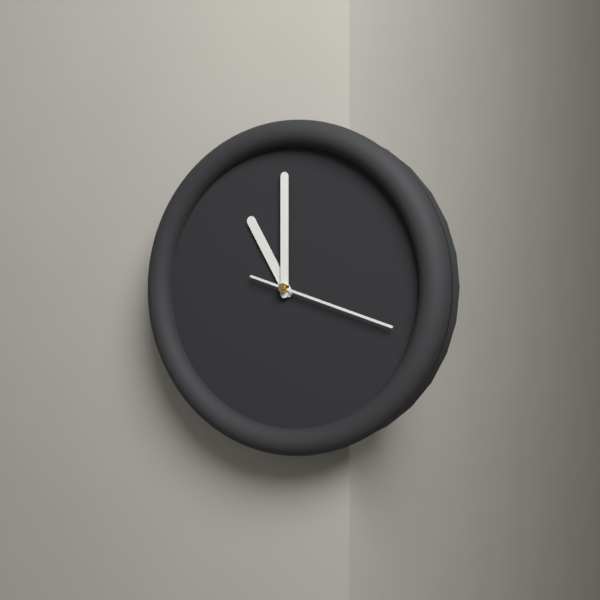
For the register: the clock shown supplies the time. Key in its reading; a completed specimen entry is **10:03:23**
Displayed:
**11:00:18**
